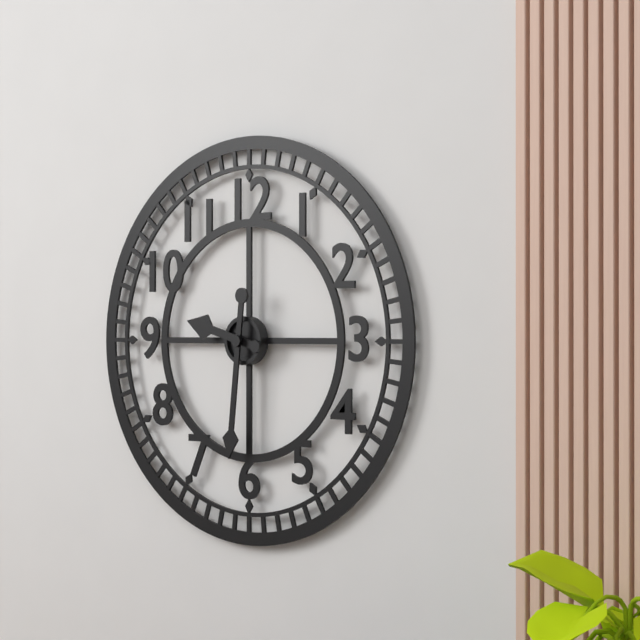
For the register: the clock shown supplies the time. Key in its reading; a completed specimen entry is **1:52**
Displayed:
**9:31**
